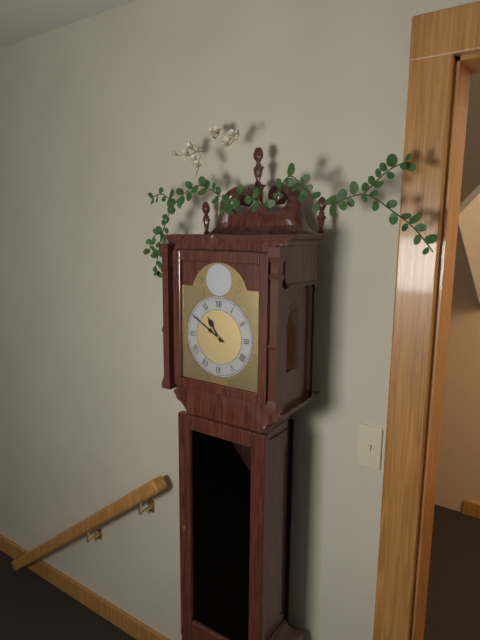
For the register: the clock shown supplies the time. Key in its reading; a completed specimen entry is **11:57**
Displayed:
**10:50**
